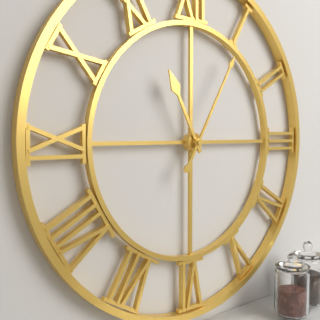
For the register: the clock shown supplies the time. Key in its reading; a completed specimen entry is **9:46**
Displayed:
**11:05**
